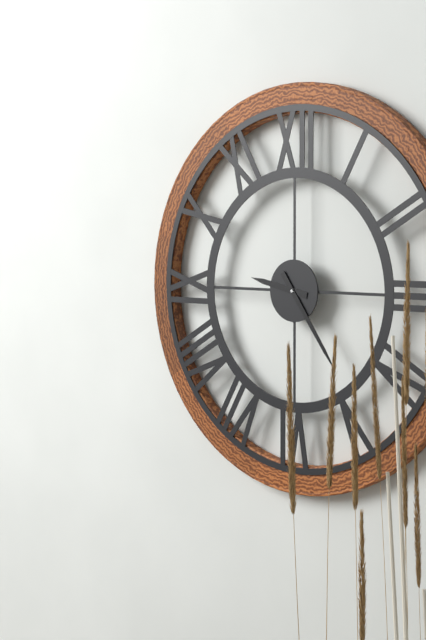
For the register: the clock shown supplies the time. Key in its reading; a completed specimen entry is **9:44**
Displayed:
**9:24**
